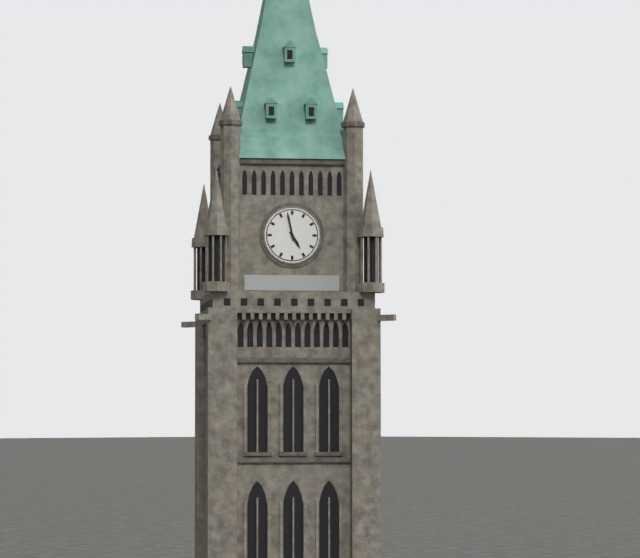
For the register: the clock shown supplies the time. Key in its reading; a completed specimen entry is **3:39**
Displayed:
**4:58**
